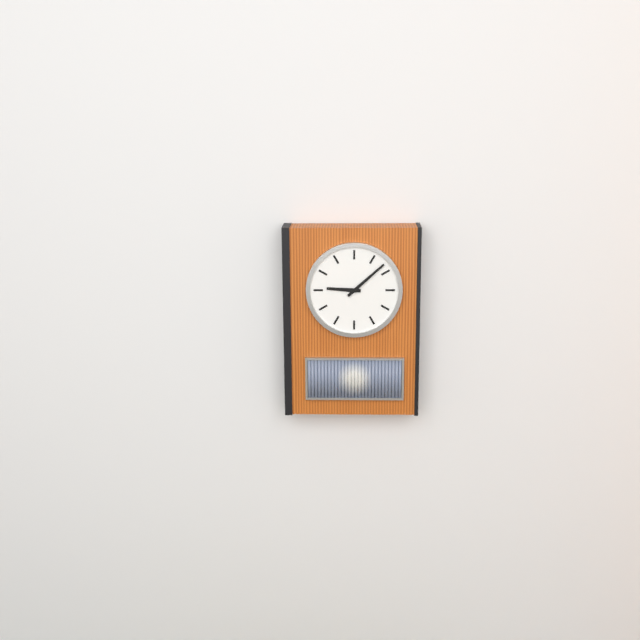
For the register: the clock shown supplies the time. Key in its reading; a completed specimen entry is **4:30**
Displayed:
**9:08**
